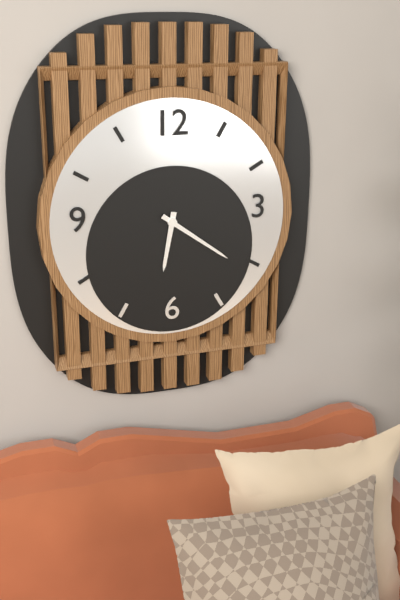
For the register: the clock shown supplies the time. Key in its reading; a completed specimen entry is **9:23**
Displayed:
**6:21**
